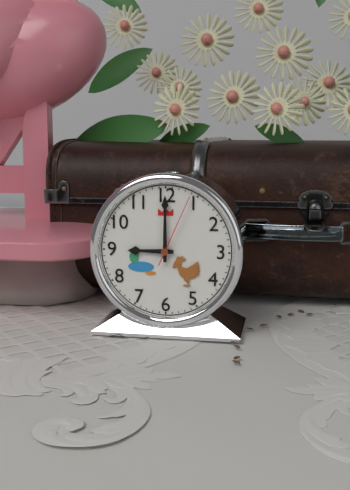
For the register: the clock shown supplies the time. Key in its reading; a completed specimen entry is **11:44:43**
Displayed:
**9:00:04**
